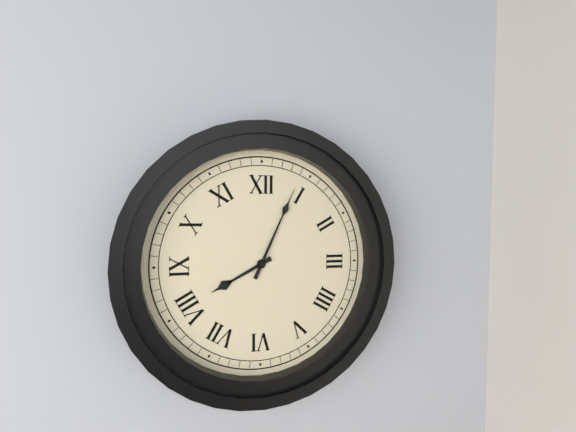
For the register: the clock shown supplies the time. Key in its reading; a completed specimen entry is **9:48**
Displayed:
**8:04**
